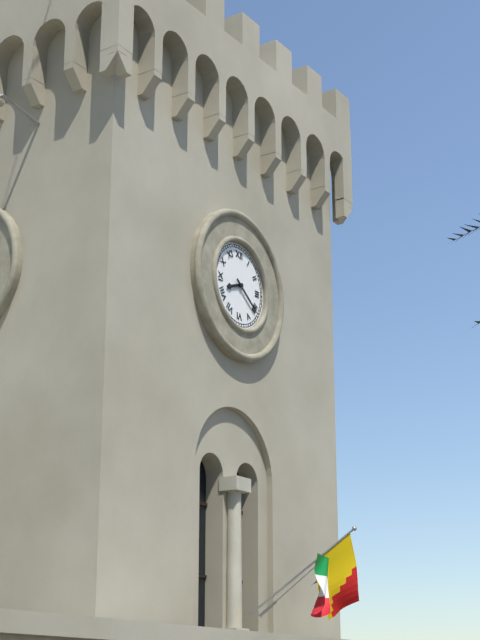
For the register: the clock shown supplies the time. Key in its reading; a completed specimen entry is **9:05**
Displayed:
**8:21**
